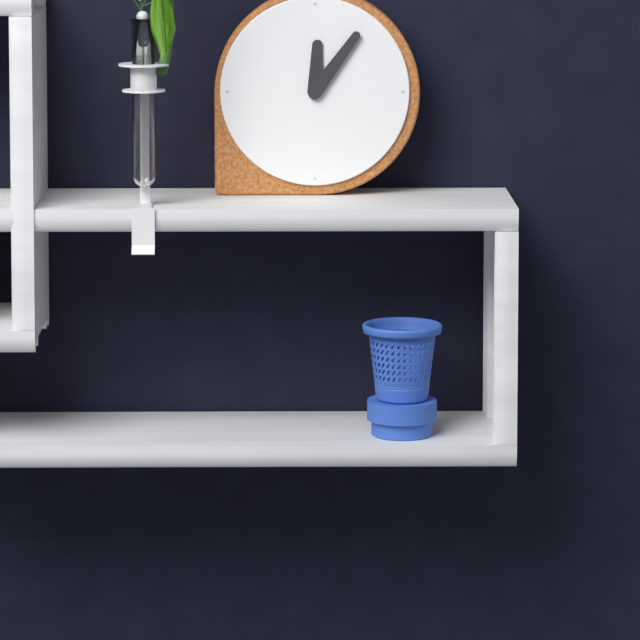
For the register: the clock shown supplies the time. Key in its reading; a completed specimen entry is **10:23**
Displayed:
**12:06**
